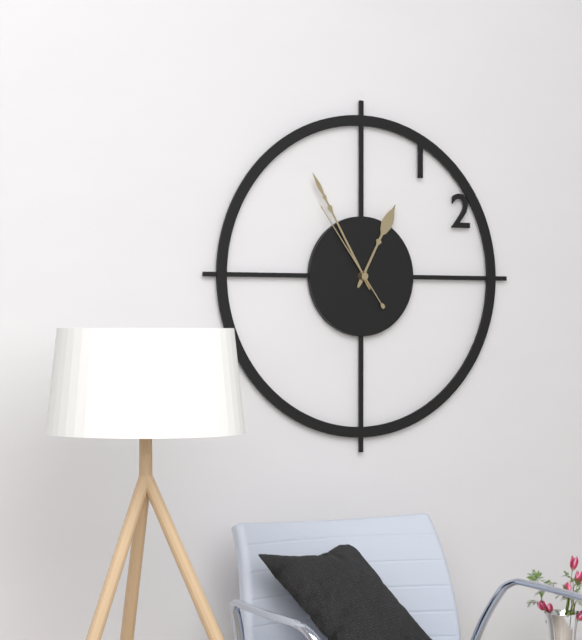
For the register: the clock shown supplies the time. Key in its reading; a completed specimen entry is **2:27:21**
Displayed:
**12:55:54**
